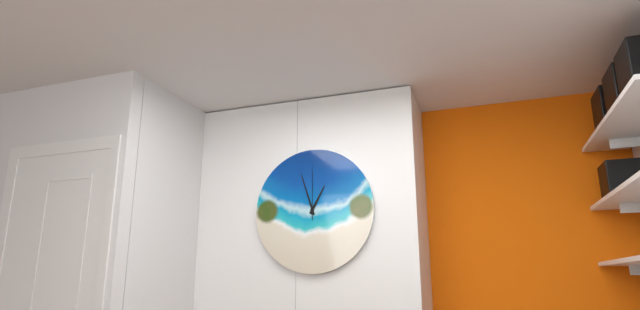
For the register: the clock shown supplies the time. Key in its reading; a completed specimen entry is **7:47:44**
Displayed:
**12:57:00**
